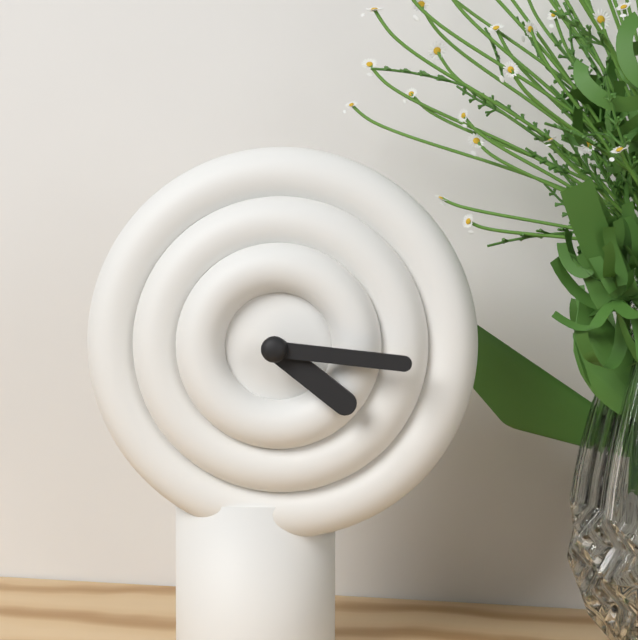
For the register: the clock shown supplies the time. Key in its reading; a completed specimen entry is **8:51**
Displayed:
**4:16**
